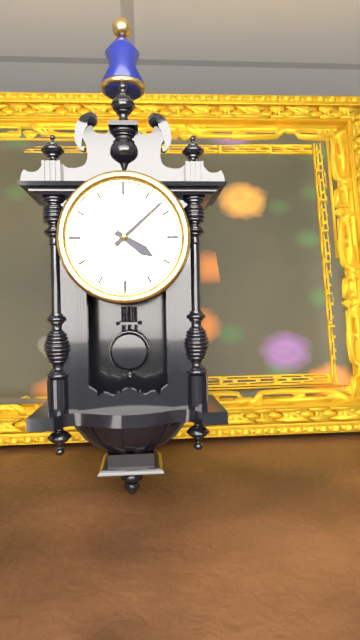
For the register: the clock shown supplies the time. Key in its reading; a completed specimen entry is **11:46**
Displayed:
**4:08**
